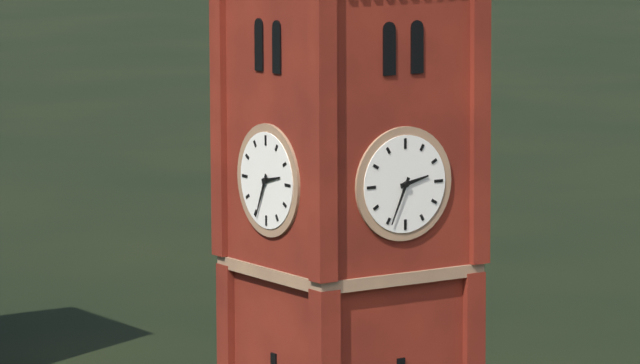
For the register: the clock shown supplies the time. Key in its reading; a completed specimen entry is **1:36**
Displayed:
**2:34**
